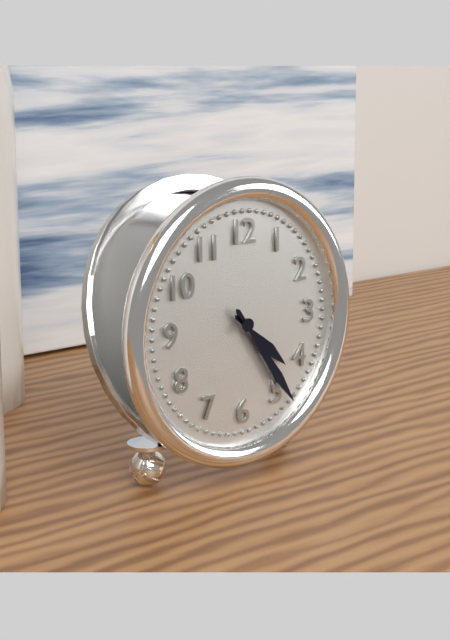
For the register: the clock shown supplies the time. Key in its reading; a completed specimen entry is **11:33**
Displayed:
**4:24**
